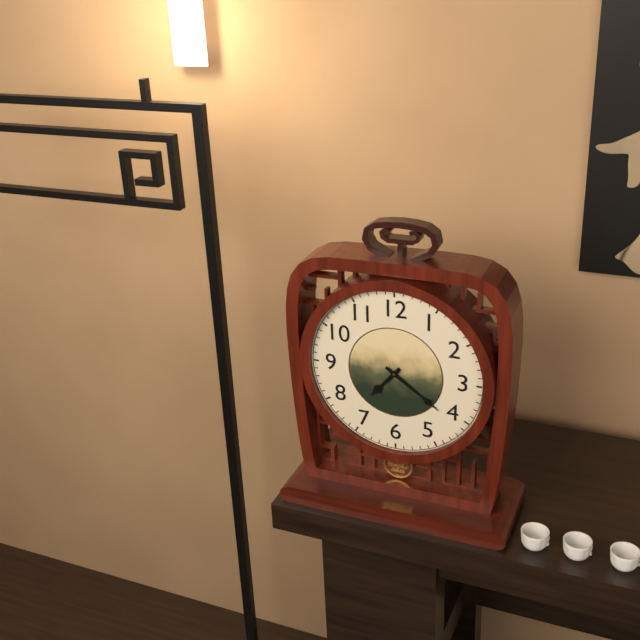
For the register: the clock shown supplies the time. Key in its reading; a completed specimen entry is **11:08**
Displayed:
**7:21**
